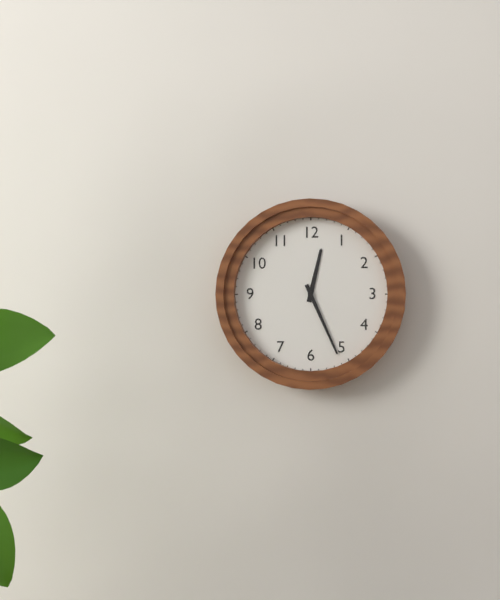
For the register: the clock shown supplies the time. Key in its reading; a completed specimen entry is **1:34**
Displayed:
**12:26**
